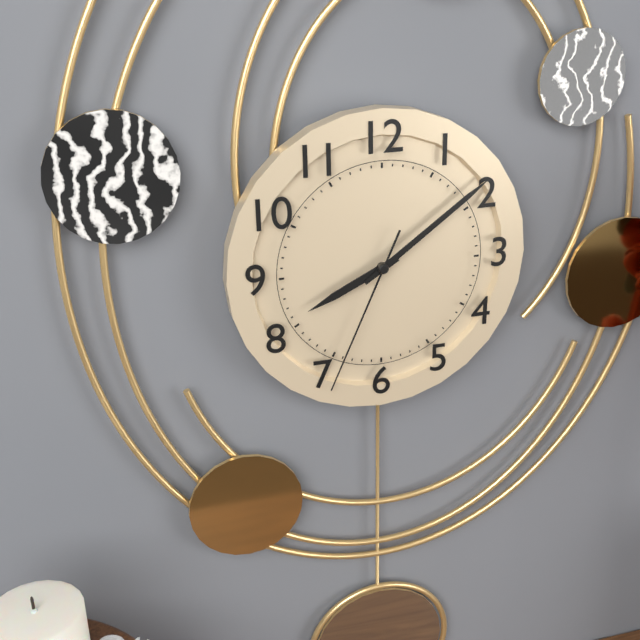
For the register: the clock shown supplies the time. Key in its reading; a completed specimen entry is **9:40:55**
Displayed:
**8:09:34**
